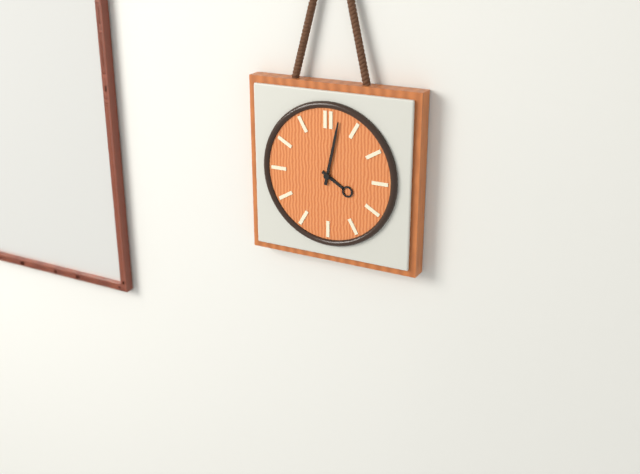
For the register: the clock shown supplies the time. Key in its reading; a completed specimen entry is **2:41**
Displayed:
**4:02**
